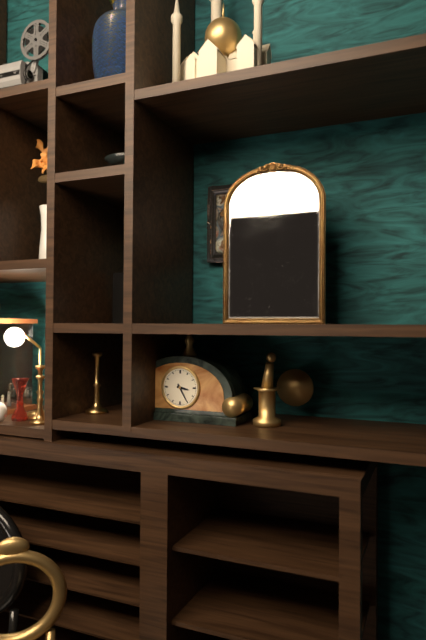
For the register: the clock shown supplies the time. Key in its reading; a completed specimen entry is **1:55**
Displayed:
**3:25**
